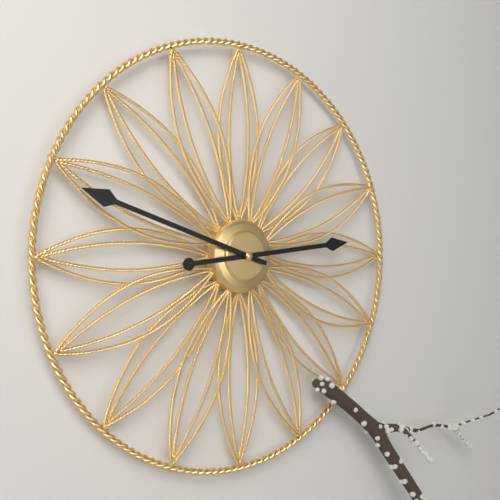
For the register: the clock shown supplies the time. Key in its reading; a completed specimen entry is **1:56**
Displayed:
**2:48**
